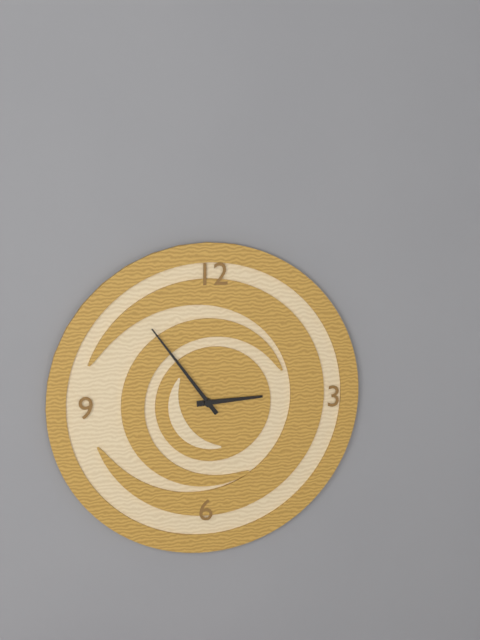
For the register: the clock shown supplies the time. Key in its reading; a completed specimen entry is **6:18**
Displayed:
**2:54**
